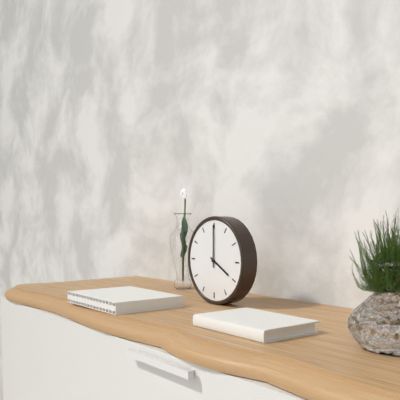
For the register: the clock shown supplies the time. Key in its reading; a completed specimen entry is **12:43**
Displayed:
**4:00**
